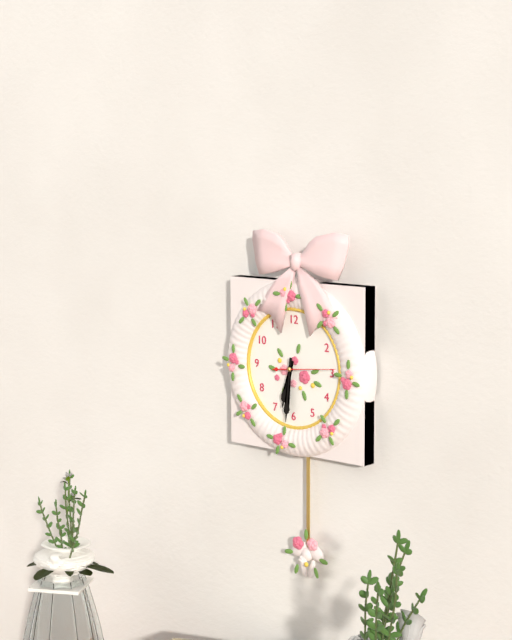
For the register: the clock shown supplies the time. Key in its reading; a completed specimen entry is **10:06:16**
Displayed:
**6:31:14**
